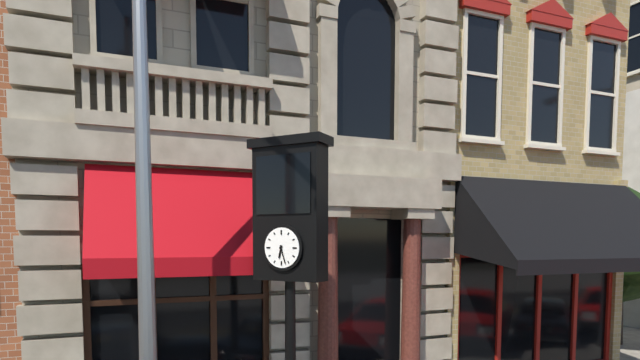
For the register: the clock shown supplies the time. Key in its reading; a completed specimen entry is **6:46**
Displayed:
**6:27**
